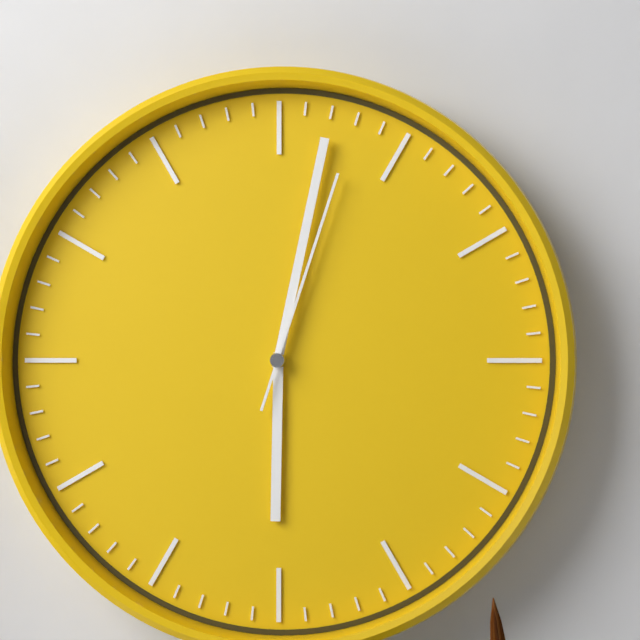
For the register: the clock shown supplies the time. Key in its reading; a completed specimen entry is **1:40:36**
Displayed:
**6:02:03**
